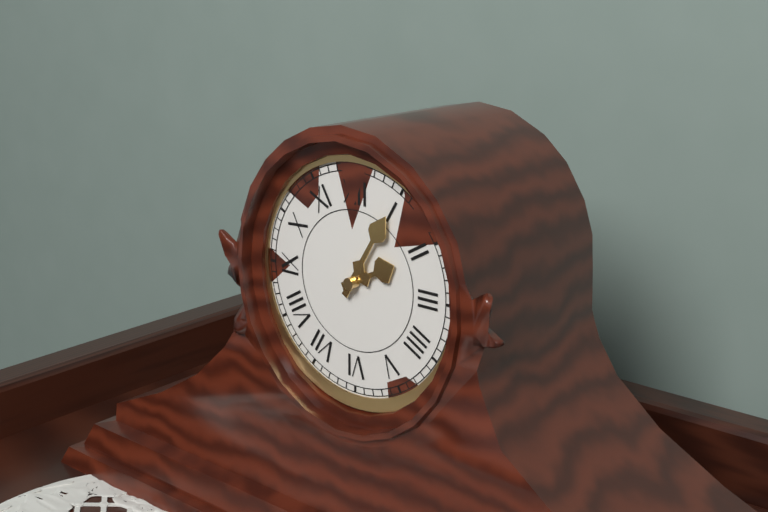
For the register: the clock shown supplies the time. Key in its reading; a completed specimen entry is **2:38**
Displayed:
**2:05**
